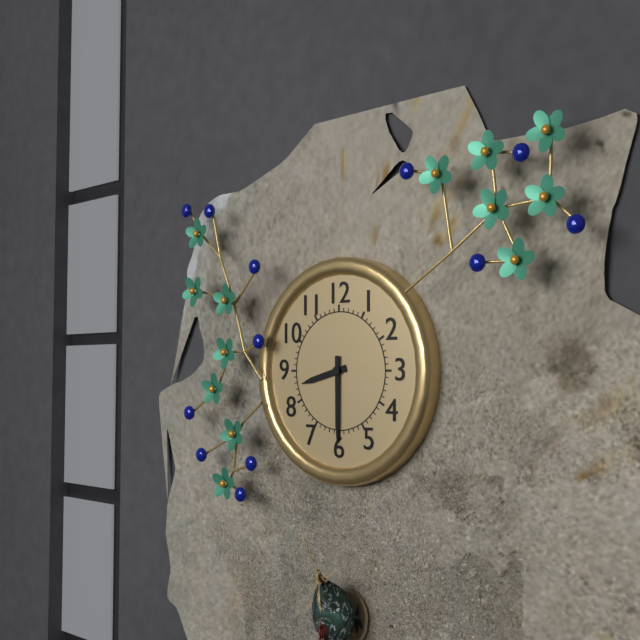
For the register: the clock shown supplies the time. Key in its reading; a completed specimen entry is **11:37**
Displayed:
**8:30**
